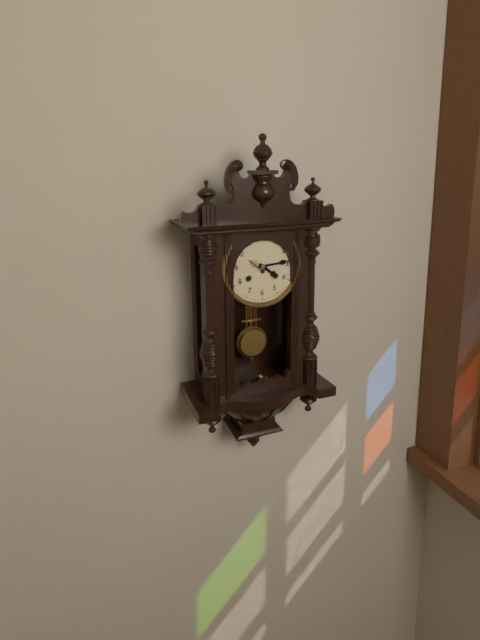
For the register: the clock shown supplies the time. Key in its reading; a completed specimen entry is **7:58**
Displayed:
**4:14**
